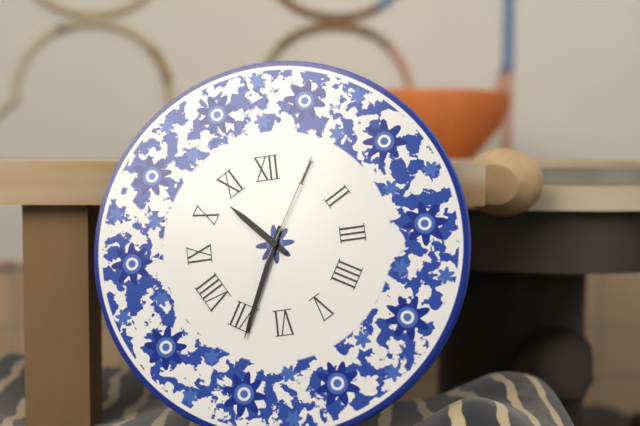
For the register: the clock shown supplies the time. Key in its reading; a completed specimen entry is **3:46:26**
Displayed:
**10:34:05**
